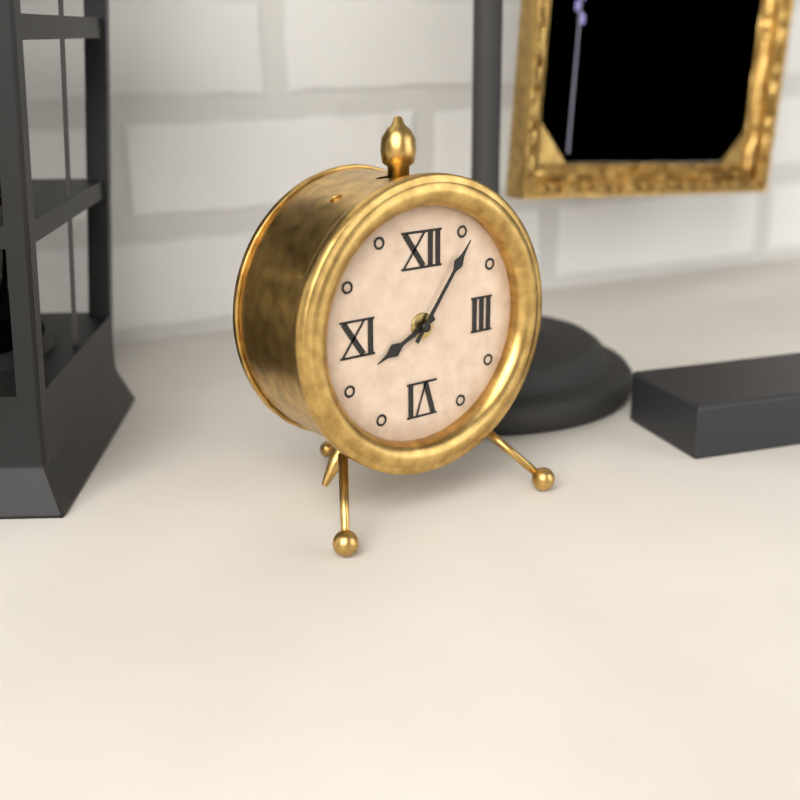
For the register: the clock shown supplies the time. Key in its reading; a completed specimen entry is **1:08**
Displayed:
**8:06**
